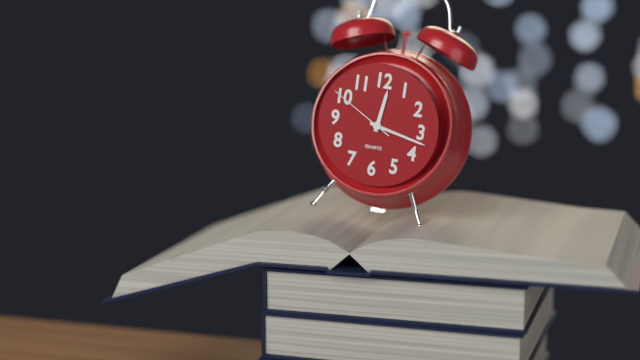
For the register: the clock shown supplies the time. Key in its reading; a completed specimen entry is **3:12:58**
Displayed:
**12:17:50**
